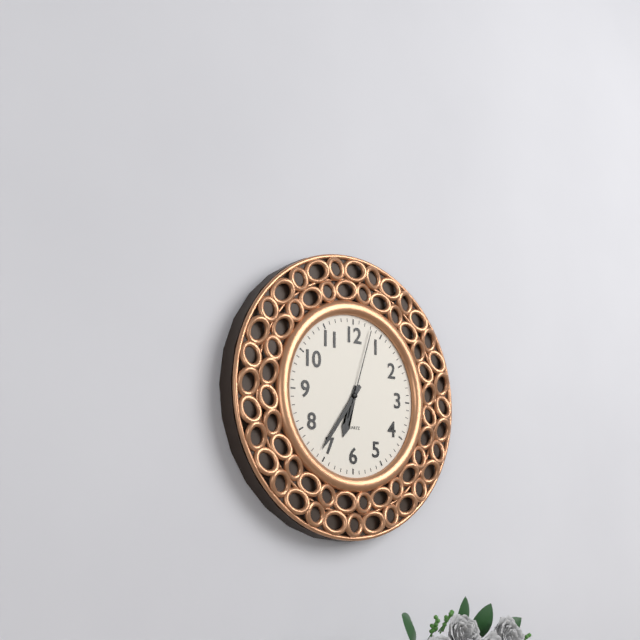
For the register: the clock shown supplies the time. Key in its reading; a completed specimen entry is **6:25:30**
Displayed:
**6:36:03**
